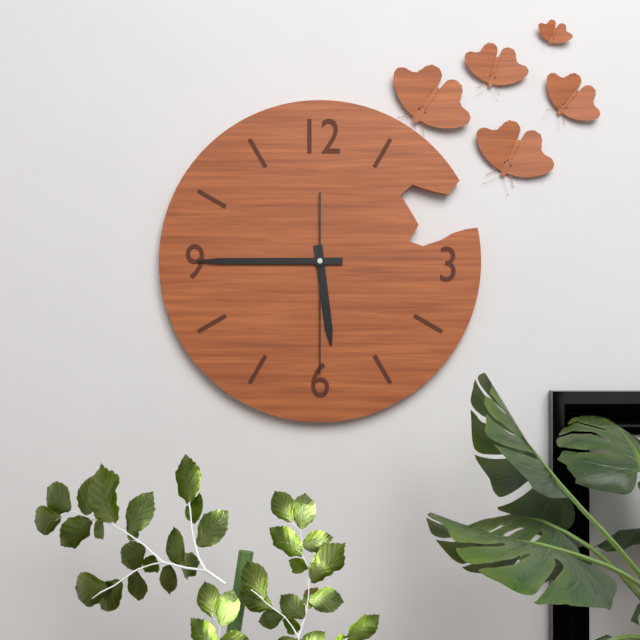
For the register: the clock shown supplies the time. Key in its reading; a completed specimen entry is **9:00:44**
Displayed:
**5:45:30**
